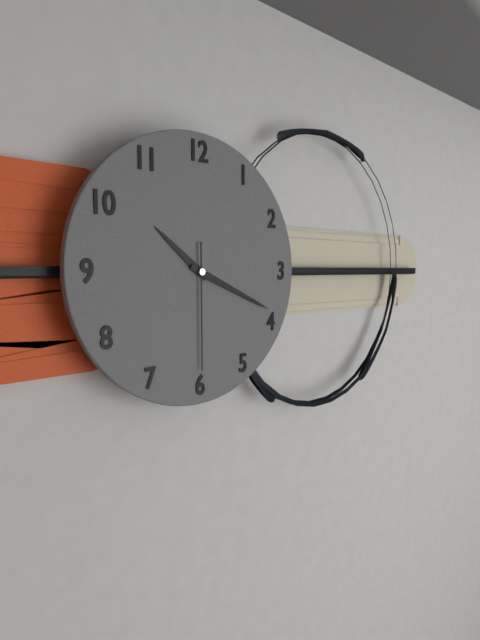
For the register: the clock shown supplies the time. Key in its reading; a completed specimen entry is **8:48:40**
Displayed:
**10:19:30**
